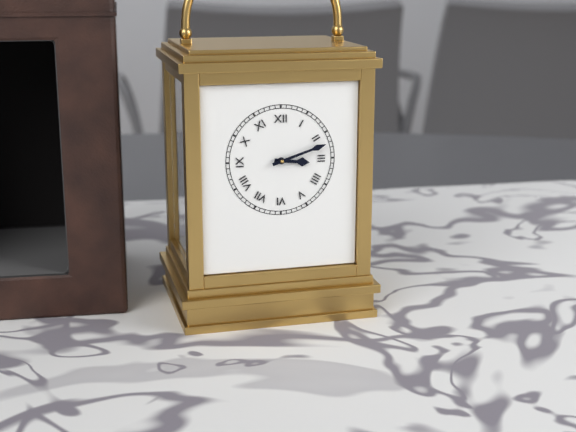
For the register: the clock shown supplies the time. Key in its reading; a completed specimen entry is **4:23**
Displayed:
**3:12**
